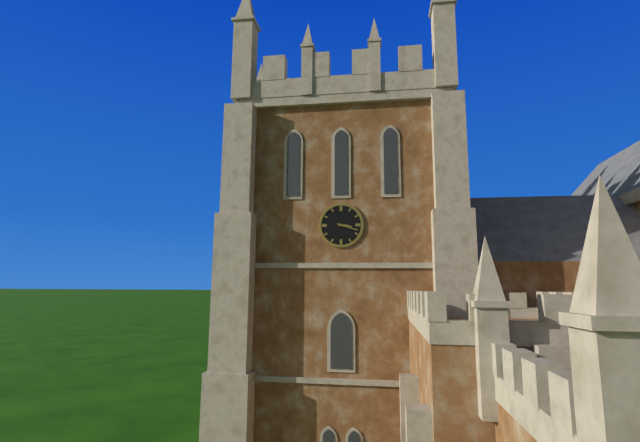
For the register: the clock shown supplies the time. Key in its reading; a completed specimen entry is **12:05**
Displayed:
**3:18**
